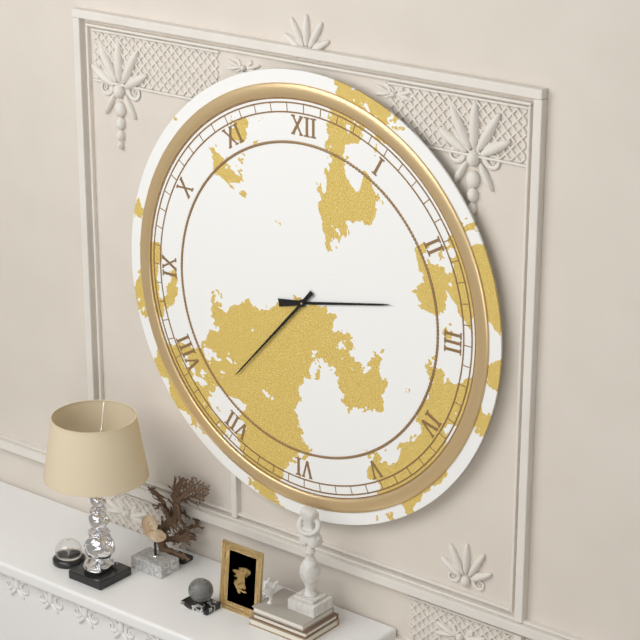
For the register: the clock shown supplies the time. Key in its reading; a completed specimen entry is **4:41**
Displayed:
**2:37**
